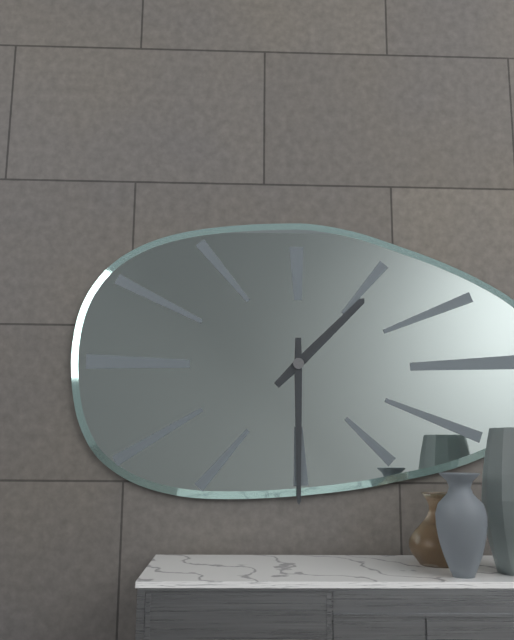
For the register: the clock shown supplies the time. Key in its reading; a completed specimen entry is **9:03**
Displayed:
**1:30**
